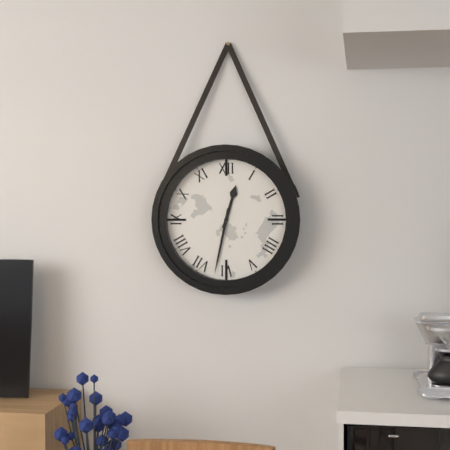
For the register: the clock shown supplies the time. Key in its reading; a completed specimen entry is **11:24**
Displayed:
**12:32**
